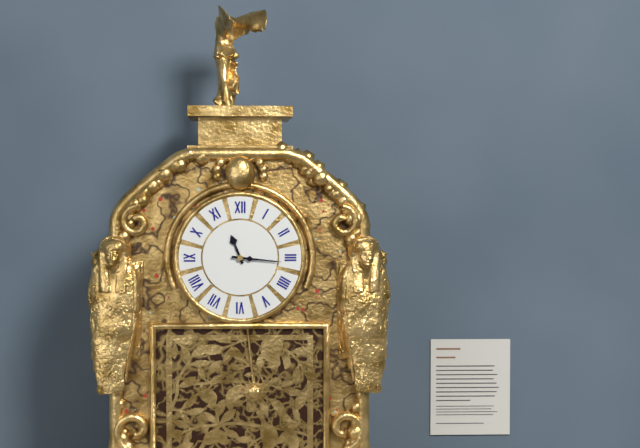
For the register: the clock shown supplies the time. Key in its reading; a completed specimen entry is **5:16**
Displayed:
**11:16**
